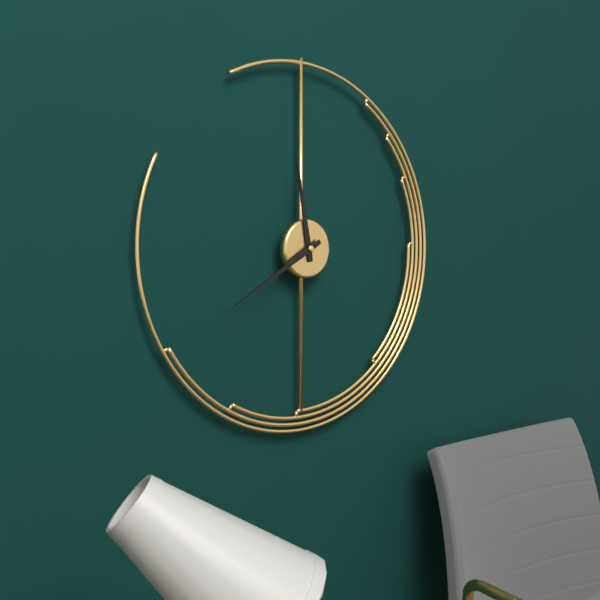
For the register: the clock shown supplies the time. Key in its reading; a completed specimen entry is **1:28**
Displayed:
**11:40**
